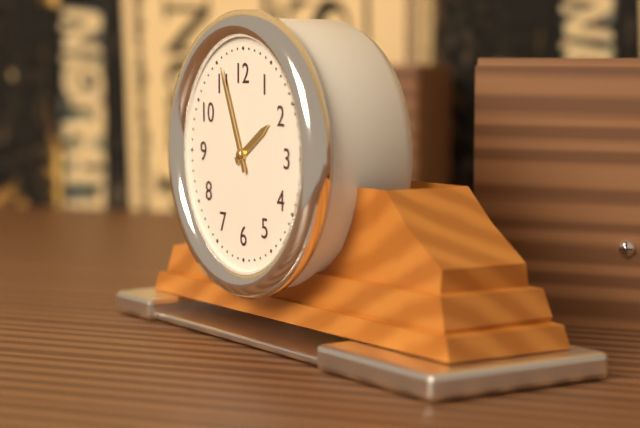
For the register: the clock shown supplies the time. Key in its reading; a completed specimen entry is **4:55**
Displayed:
**1:56**
